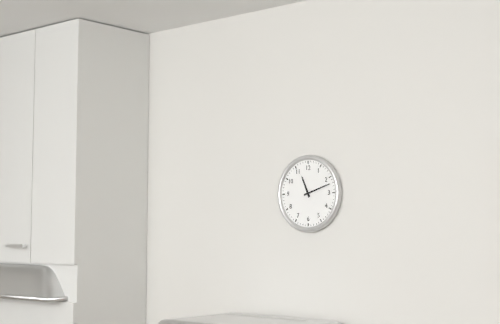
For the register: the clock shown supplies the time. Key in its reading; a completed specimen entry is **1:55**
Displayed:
**11:12**
